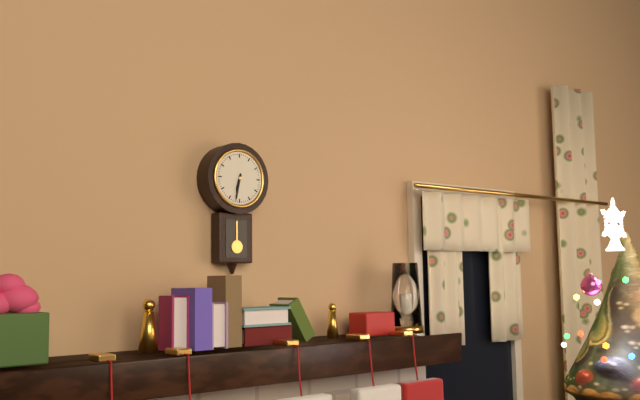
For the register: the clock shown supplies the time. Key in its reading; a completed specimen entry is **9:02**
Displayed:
**6:32**
